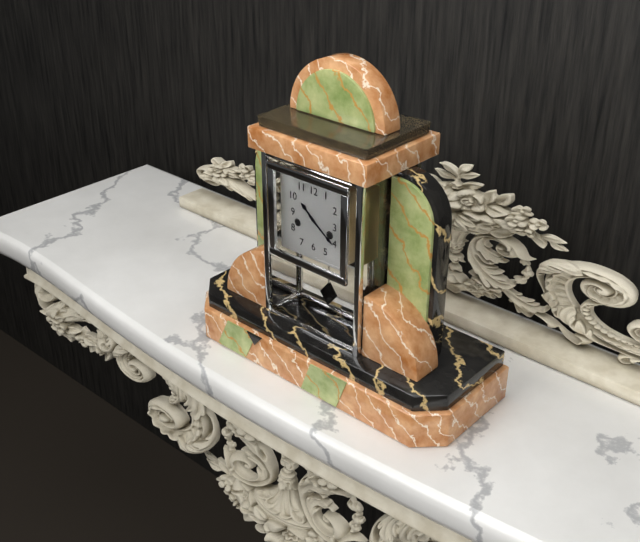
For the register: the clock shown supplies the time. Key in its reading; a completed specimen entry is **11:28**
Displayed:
**10:21**
